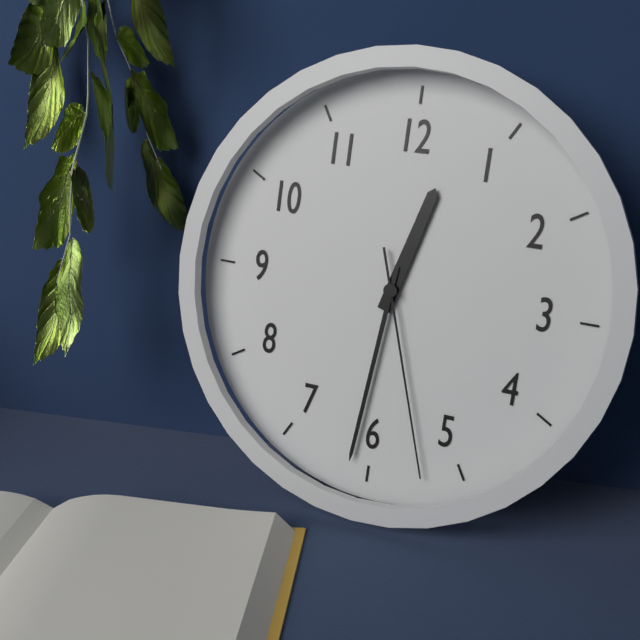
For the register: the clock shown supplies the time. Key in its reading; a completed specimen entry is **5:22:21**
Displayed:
**12:31:27**
